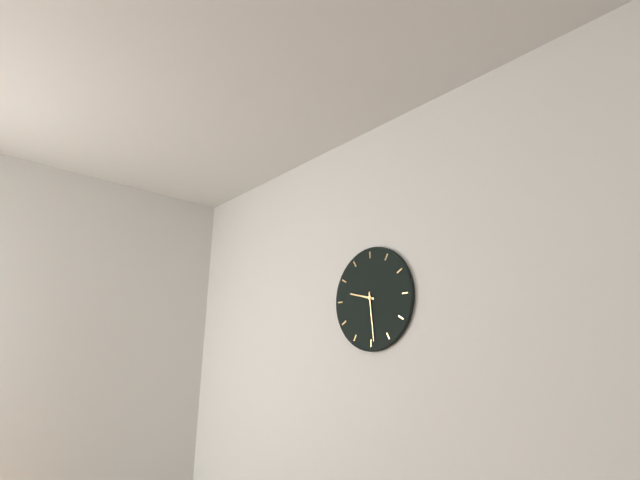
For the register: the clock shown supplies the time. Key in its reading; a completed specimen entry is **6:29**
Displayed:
**9:29**
